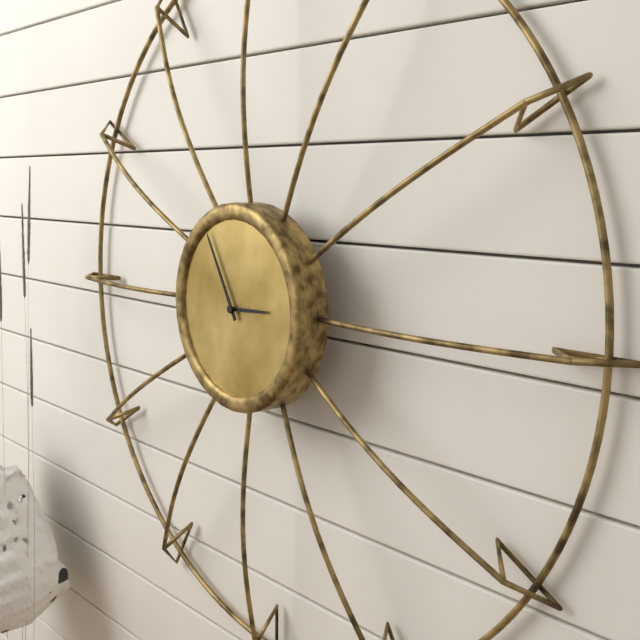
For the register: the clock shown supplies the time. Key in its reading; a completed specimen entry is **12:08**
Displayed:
**2:55**
